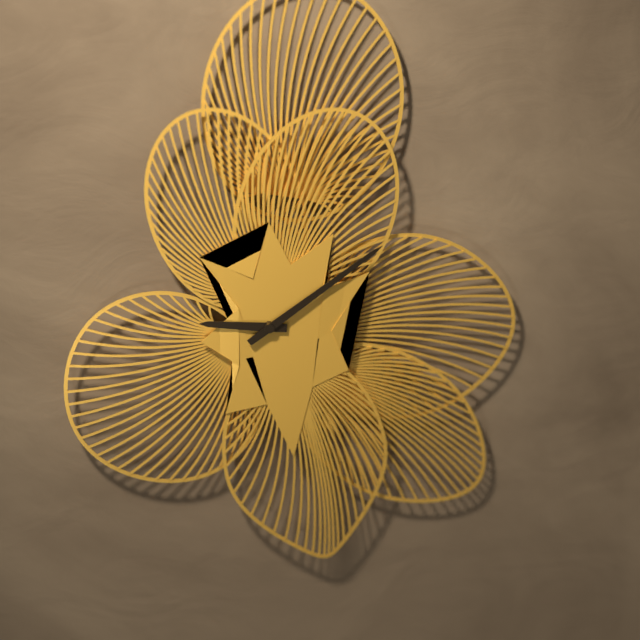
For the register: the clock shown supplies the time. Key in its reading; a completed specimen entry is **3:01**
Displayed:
**9:09**
